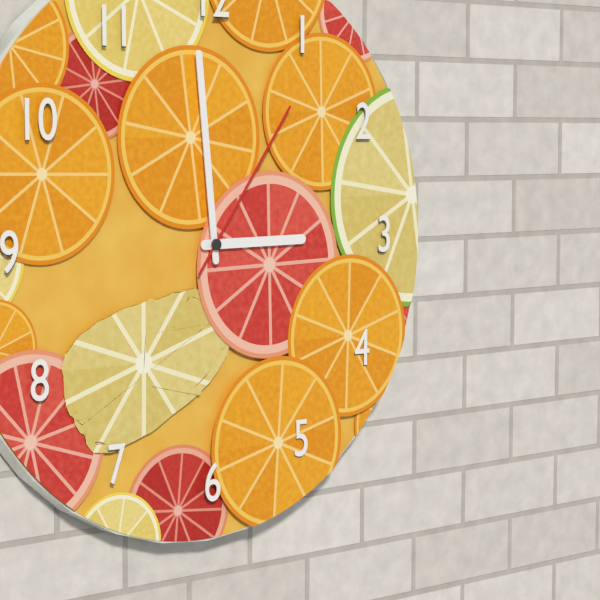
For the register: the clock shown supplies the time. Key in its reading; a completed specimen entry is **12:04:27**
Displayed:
**2:59:06**
